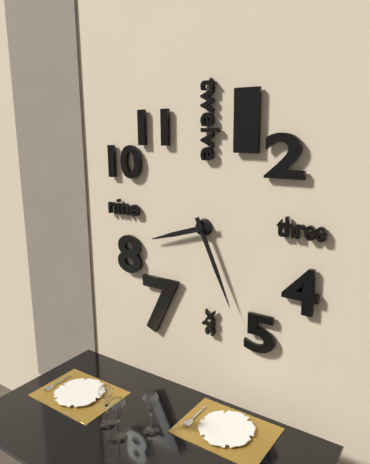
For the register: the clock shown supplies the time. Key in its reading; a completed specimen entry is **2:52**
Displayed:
**8:26**
